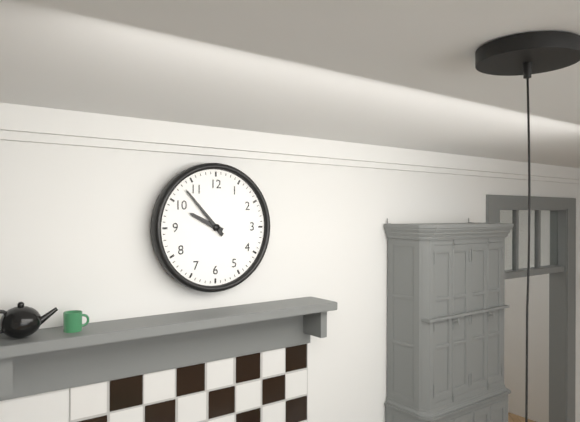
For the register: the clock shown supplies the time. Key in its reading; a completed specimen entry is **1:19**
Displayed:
**9:53**
